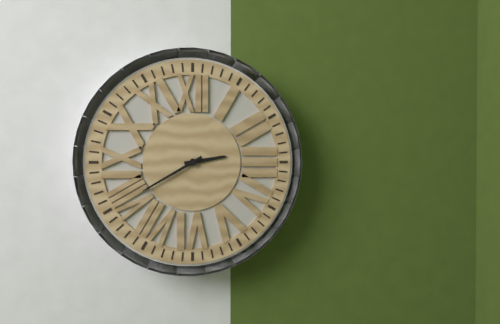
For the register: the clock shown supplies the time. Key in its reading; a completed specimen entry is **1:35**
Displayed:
**2:40**
